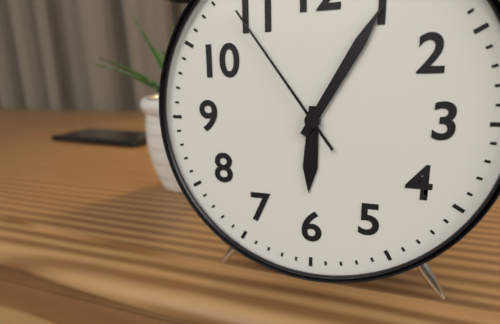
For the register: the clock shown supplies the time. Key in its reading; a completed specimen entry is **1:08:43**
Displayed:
**6:05:54**
